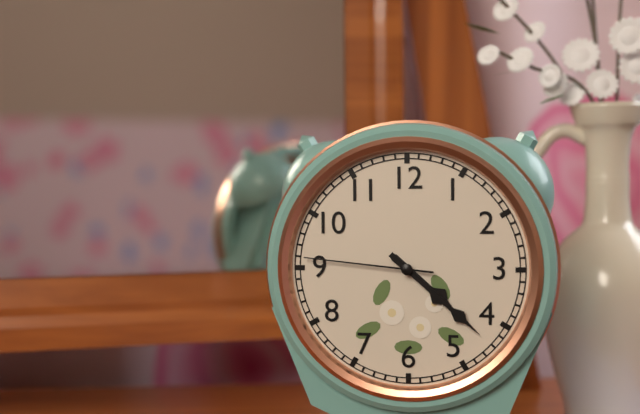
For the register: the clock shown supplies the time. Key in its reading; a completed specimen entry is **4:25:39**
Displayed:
**4:22:46**
